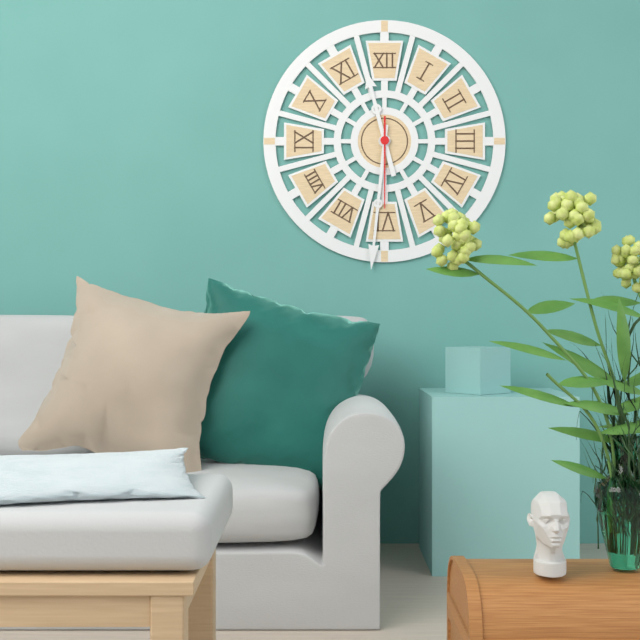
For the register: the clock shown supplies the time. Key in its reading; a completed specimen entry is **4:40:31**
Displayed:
**11:31:30**
